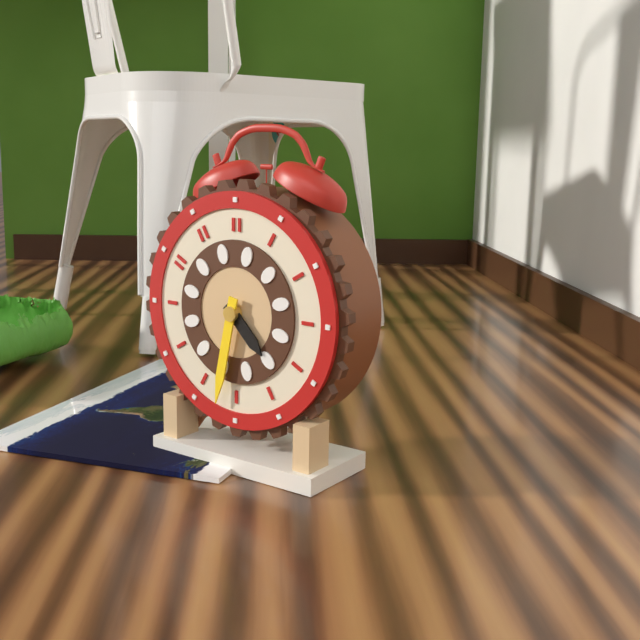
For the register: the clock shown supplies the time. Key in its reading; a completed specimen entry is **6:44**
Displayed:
**4:32**
